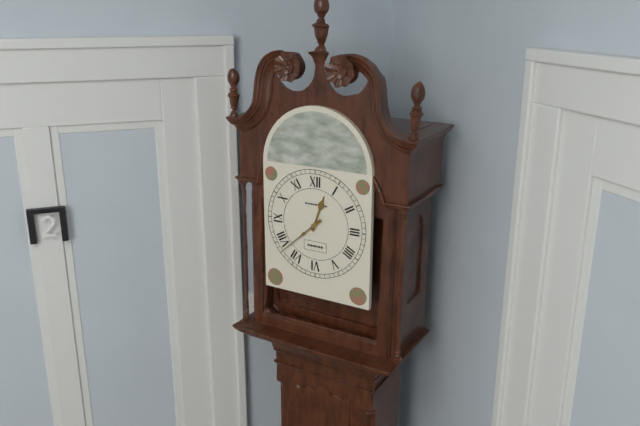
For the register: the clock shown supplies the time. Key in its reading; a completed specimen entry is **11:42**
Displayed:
**12:38**
